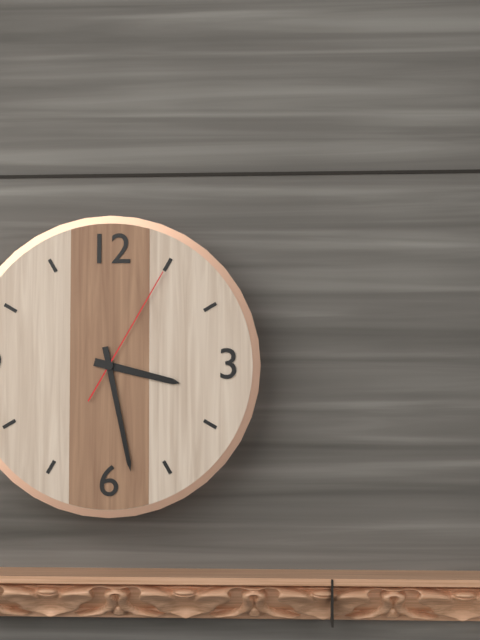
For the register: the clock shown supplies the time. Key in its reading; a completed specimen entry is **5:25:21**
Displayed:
**3:28:05**
